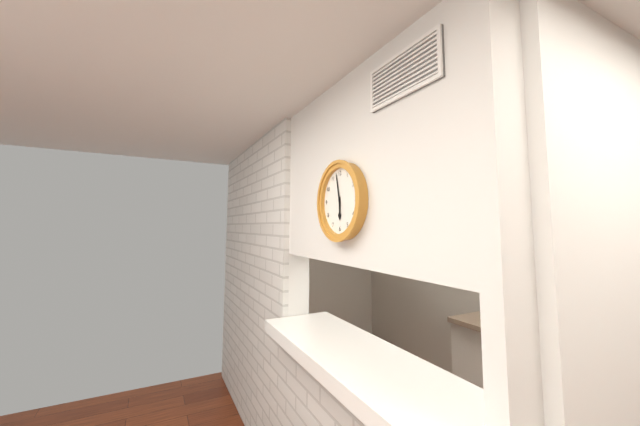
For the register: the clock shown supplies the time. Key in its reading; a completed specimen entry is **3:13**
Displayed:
**5:58**
